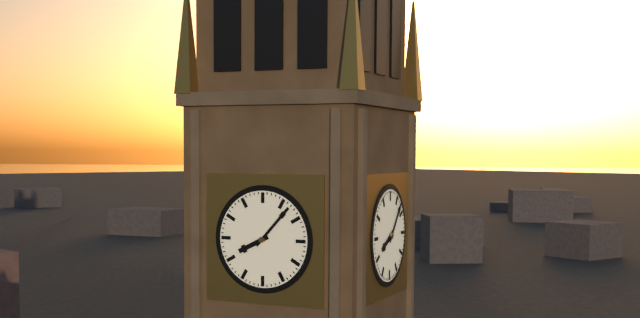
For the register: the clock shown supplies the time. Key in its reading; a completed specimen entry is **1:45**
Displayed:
**8:07**
